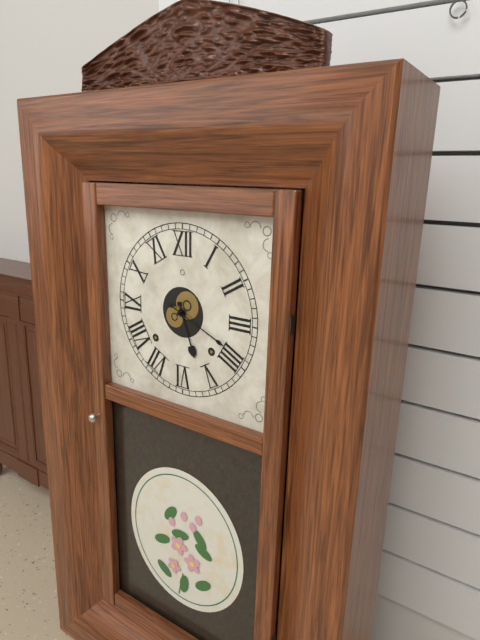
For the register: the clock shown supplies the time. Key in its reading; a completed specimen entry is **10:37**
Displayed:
**5:19**
